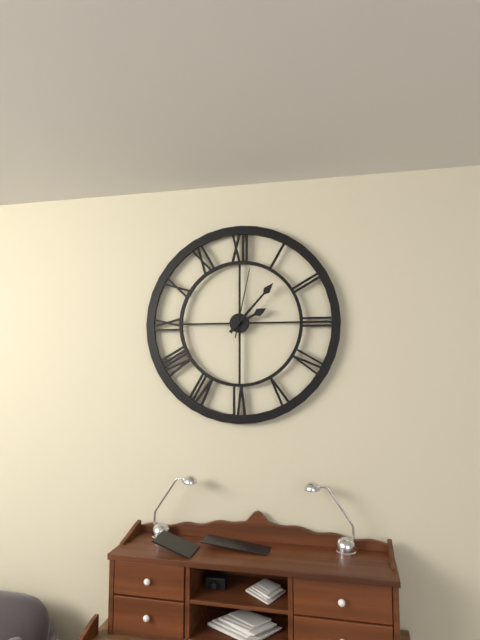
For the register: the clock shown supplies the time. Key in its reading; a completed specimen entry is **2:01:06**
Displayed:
**2:07:02**
